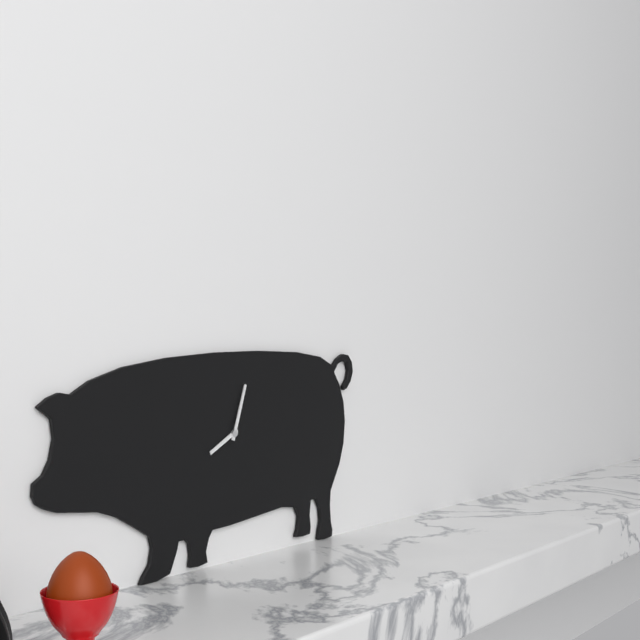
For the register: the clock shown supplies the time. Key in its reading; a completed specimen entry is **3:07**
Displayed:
**8:03**
